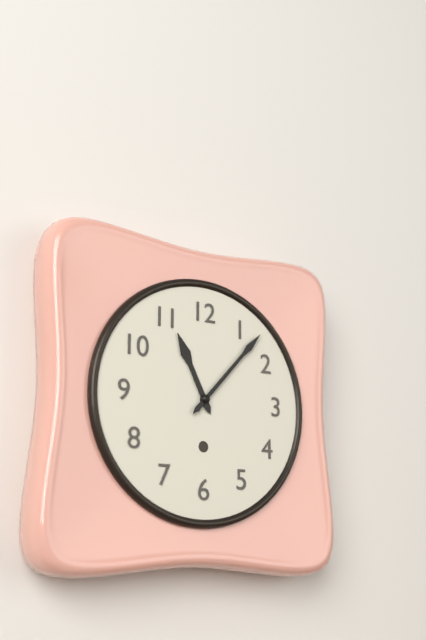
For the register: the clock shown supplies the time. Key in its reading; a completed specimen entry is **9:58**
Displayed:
**11:07**
